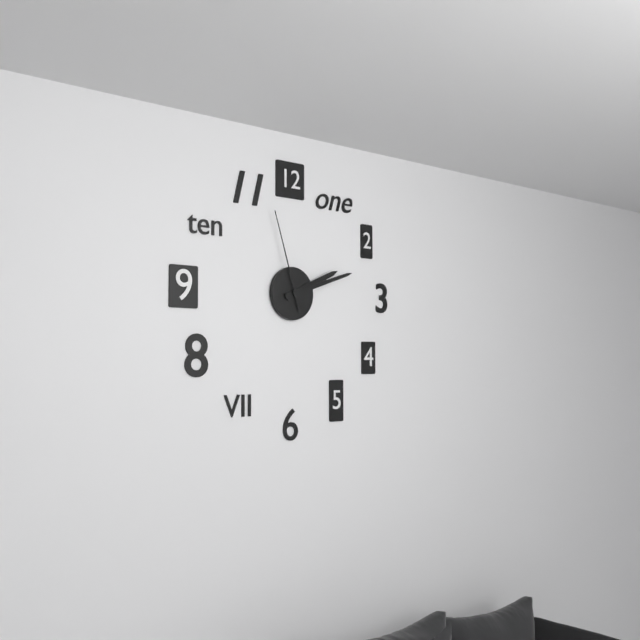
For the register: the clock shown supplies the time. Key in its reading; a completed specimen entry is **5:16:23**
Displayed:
**2:12:57**
